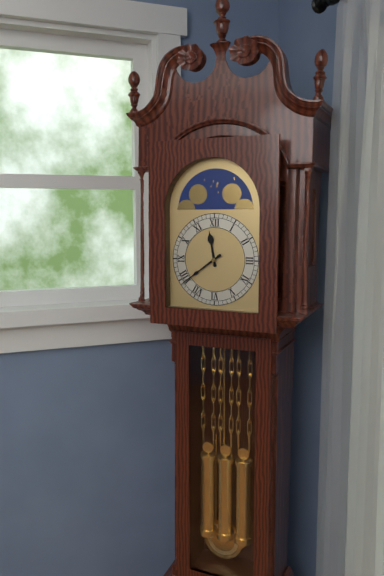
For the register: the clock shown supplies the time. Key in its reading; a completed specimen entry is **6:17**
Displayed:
**11:39**
